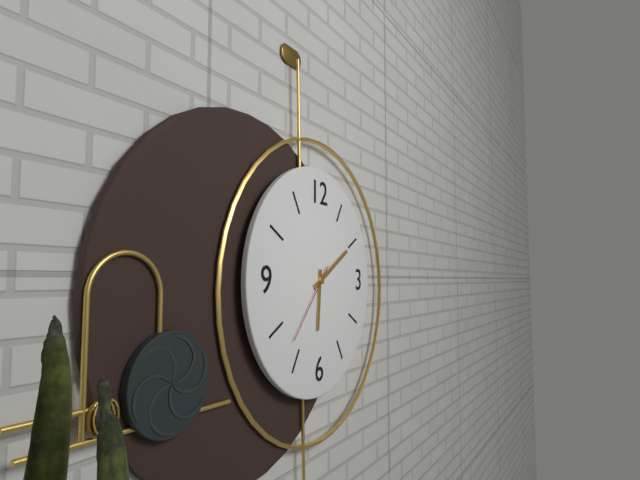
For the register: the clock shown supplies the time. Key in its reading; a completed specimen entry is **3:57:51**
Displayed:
**6:10:37**
